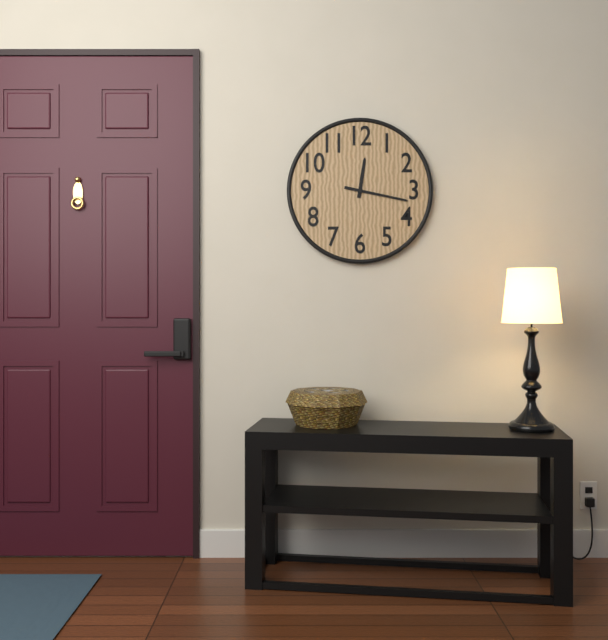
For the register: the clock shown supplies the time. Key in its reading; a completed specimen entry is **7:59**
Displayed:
**12:17**
